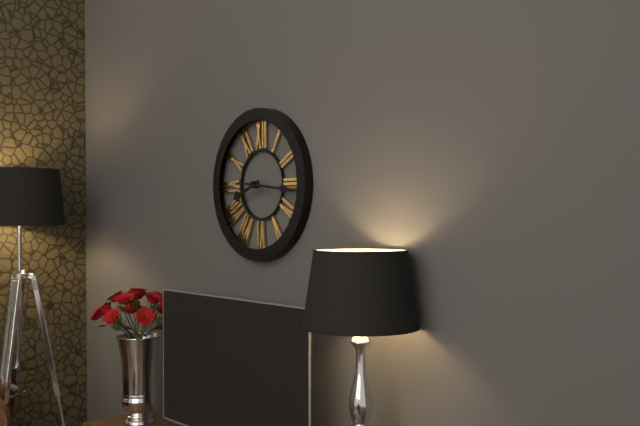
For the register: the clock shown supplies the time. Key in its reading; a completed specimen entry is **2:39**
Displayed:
**8:16**
